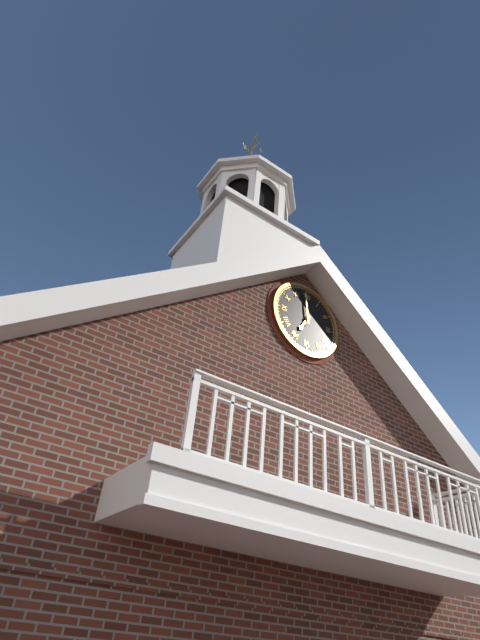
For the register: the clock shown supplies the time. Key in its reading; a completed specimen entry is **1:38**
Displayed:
**6:59**
